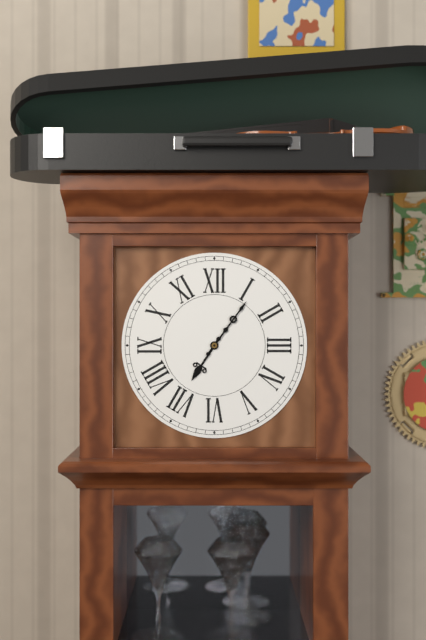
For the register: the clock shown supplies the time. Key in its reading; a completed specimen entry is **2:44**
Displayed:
**7:06**
